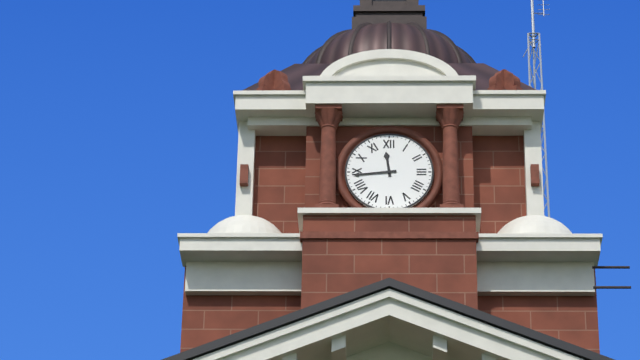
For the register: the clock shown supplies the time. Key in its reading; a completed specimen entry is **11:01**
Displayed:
**11:44**
